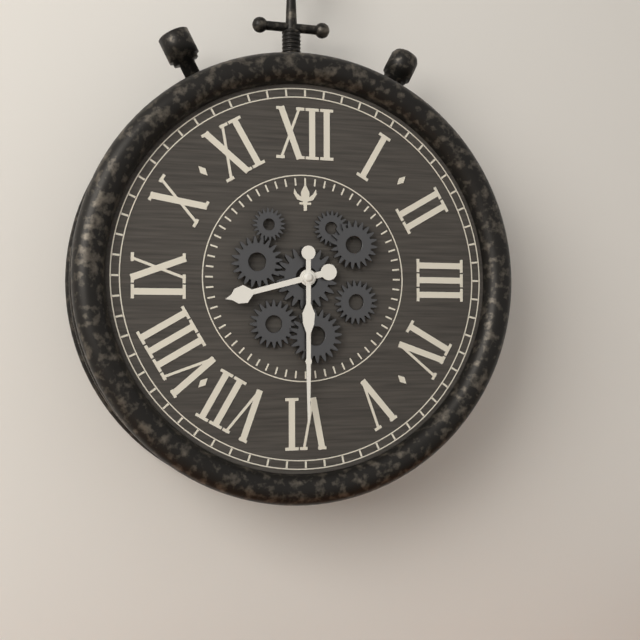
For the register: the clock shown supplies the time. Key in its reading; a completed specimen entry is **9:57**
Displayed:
**8:30**
